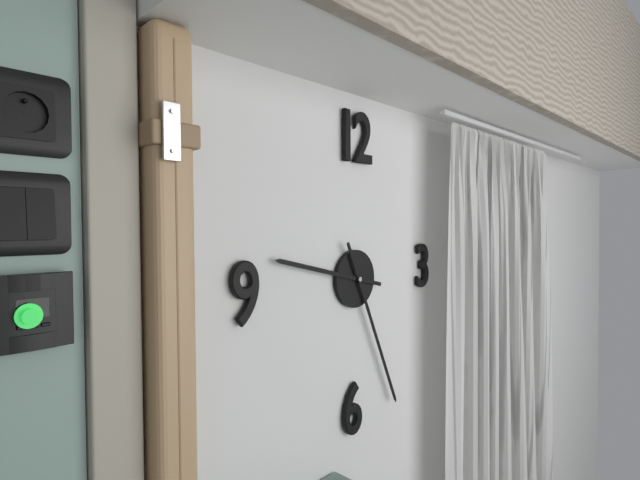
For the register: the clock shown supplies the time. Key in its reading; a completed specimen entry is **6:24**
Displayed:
**9:26**
